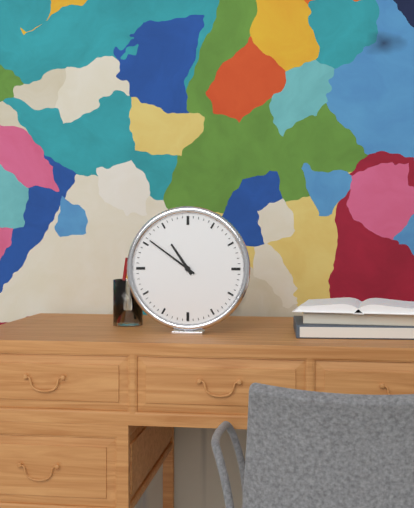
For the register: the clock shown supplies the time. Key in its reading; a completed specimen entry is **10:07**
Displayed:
**10:51**
